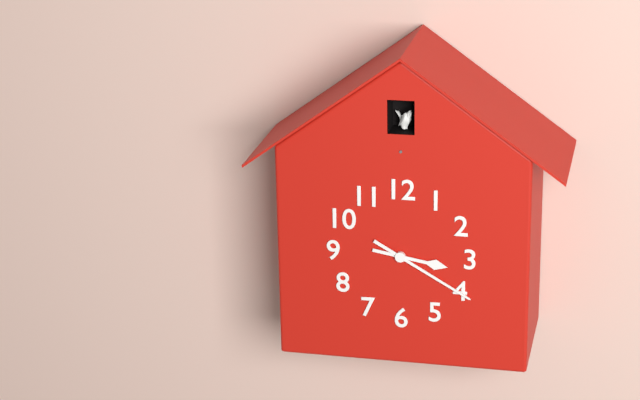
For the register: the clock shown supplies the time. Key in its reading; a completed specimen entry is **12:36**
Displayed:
**3:20**
